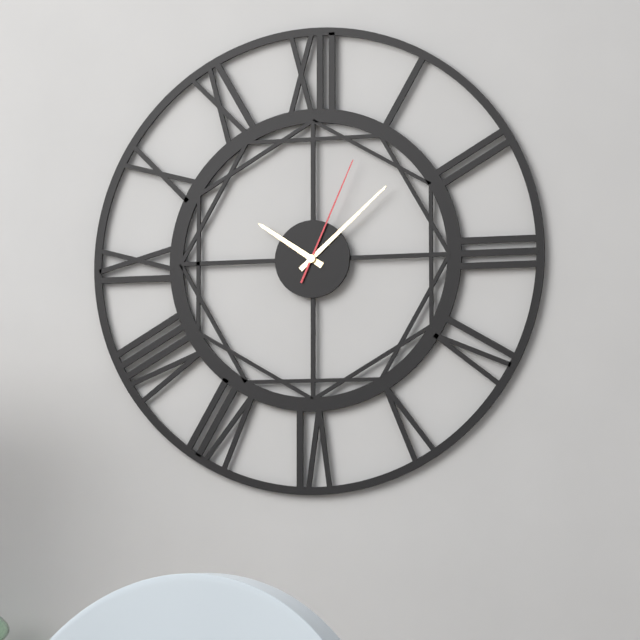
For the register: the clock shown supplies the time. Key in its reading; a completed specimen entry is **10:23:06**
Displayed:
**10:08:04**
